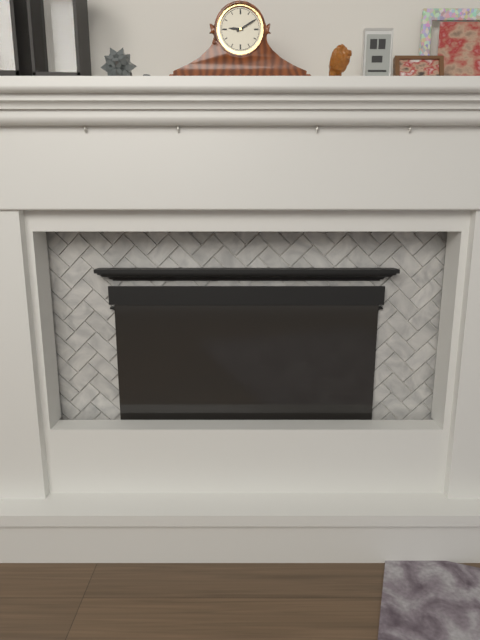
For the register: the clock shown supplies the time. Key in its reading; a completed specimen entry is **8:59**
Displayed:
**9:10**
